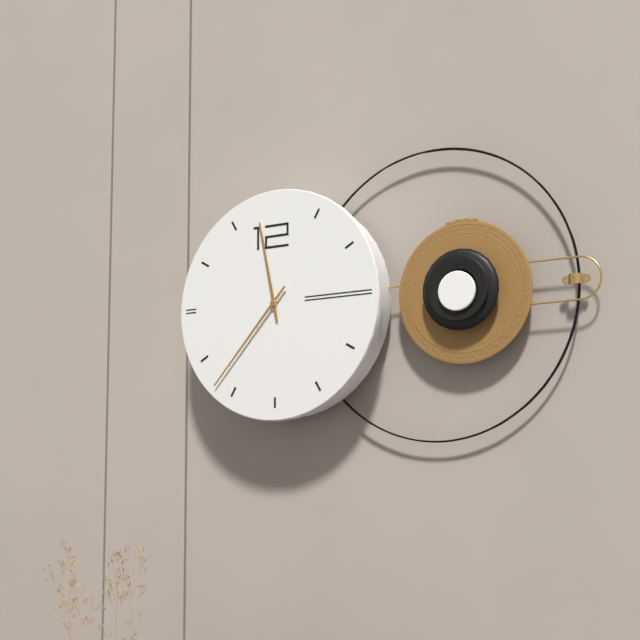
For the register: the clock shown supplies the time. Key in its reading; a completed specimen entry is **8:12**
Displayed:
**11:37**
